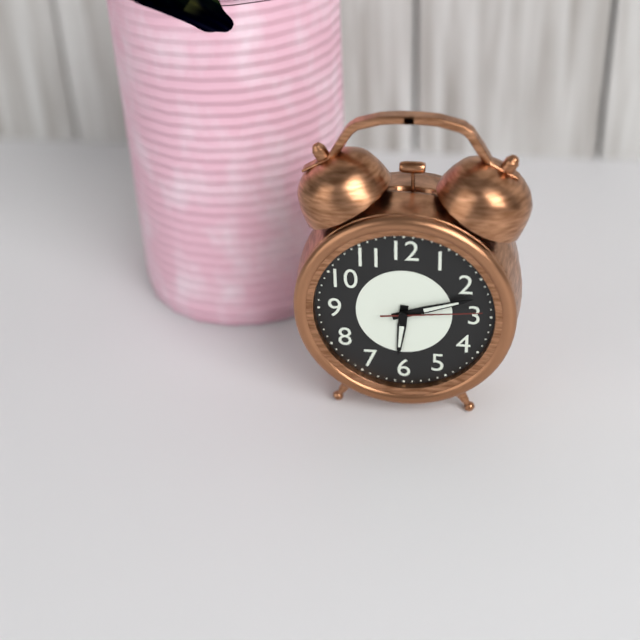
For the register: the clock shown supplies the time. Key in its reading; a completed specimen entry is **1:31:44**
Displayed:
**6:12:14**
